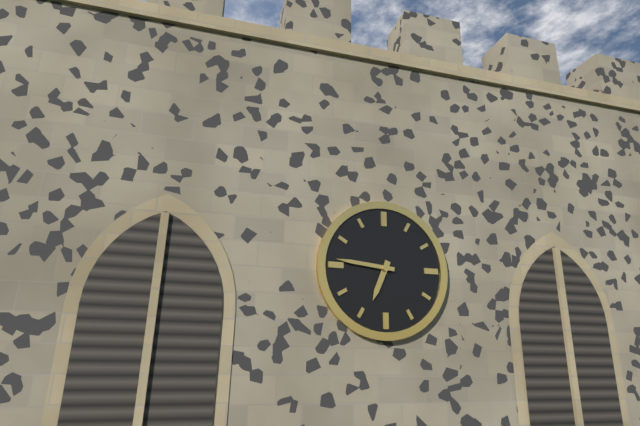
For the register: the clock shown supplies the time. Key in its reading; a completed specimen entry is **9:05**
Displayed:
**6:46**
